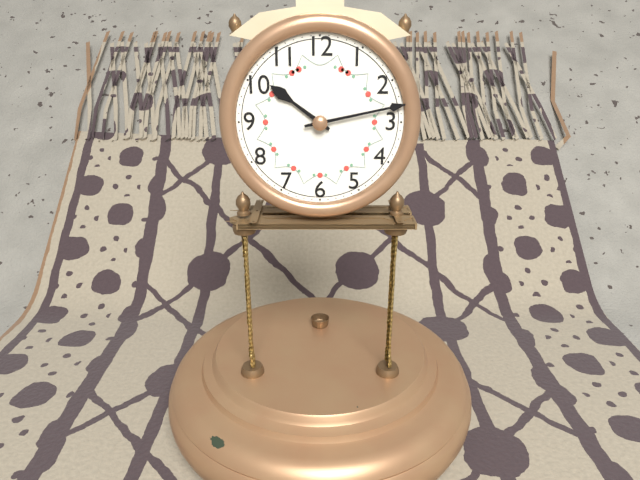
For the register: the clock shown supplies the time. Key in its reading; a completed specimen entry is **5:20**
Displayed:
**10:13**
